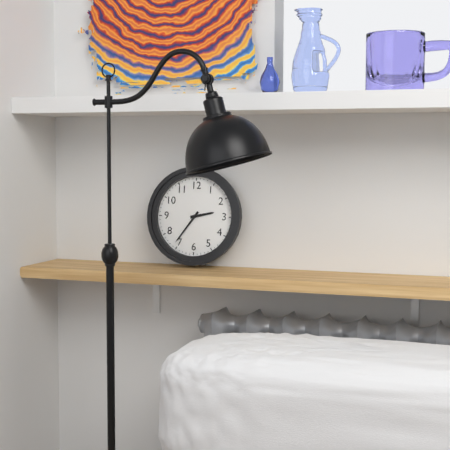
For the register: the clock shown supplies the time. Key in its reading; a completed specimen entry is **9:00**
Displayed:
**2:36**
